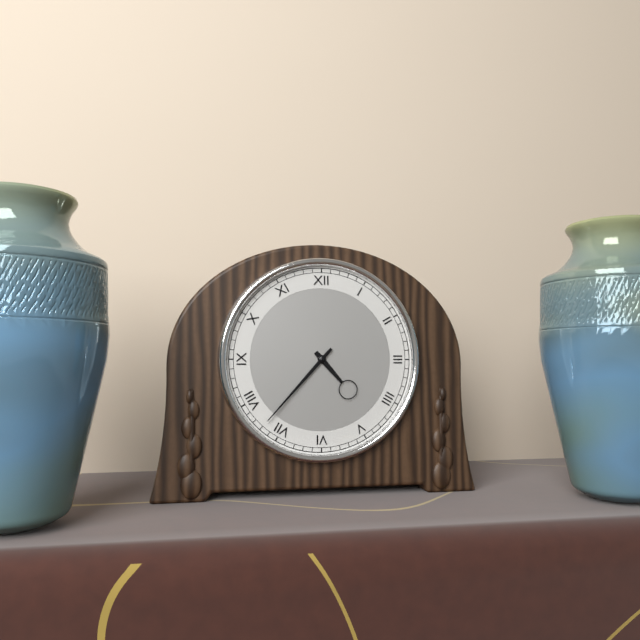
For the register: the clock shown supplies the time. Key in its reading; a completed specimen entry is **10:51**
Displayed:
**4:37**
